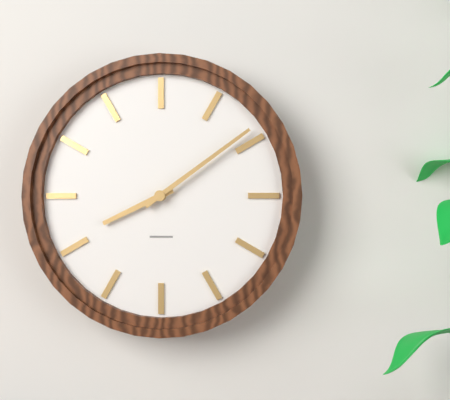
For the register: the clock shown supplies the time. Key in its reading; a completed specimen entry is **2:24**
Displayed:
**8:09**
